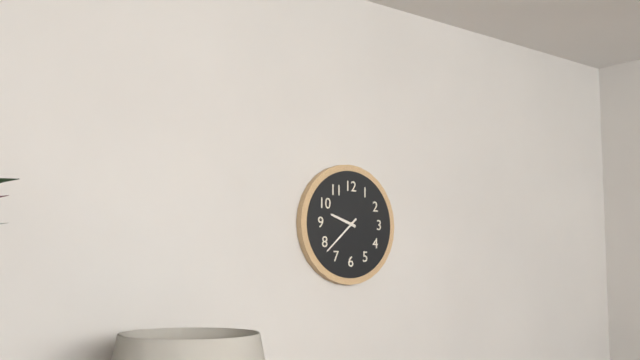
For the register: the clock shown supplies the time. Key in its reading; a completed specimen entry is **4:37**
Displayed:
**9:38**
